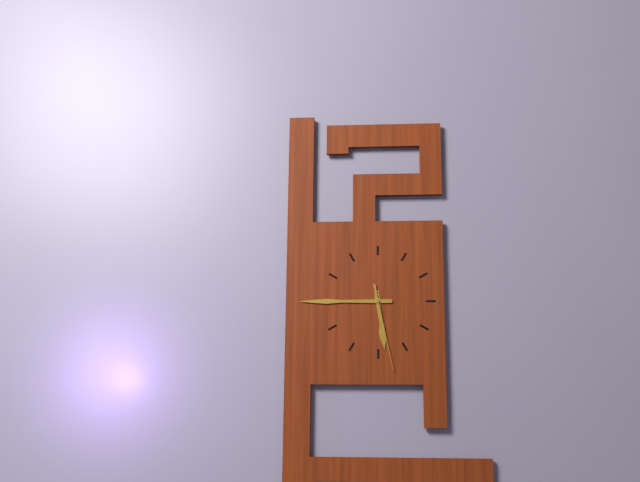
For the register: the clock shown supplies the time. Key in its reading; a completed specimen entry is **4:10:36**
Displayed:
**5:45:28**
